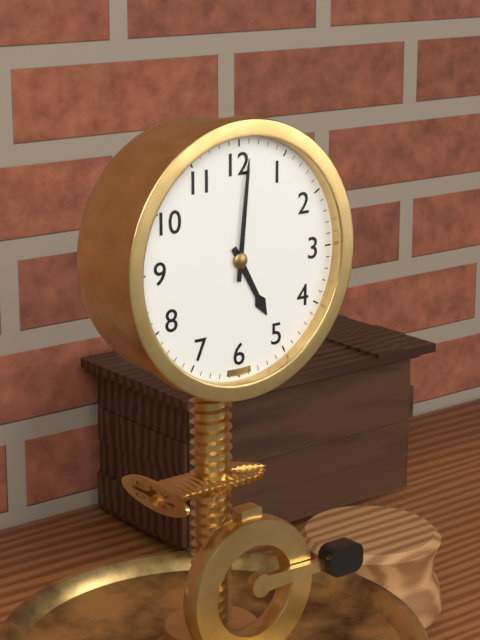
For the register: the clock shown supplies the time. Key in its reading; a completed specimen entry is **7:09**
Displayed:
**5:01**
